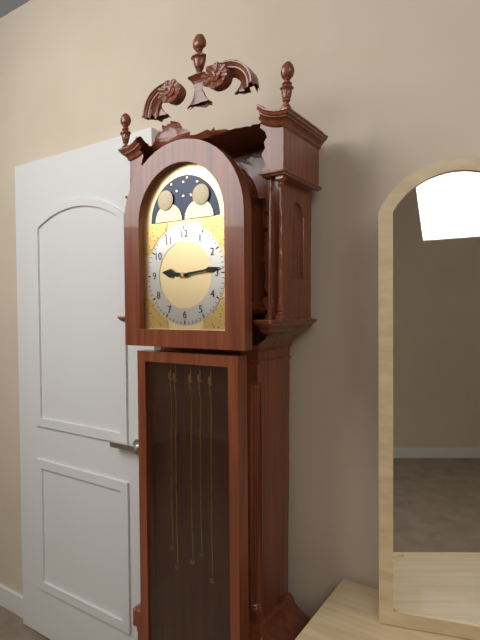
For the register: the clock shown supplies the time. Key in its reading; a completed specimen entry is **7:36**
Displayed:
**9:14**
